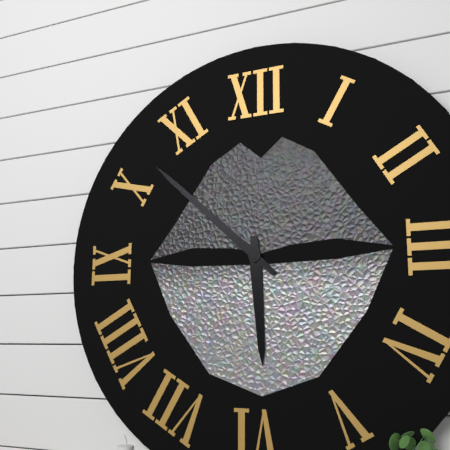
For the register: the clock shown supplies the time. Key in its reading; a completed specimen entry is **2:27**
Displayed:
**5:52**
